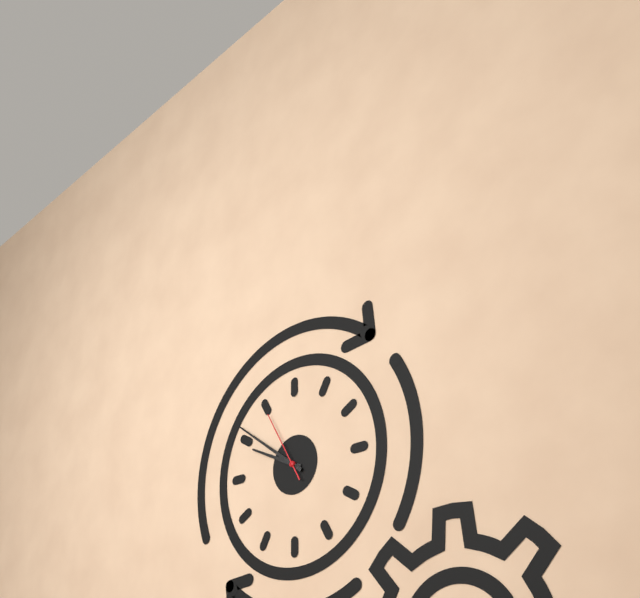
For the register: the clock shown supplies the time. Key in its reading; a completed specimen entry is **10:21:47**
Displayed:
**9:51:55**
